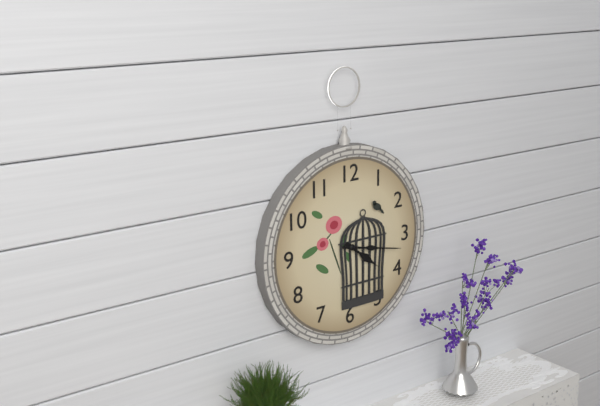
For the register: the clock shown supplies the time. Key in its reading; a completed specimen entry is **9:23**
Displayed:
**4:17**
